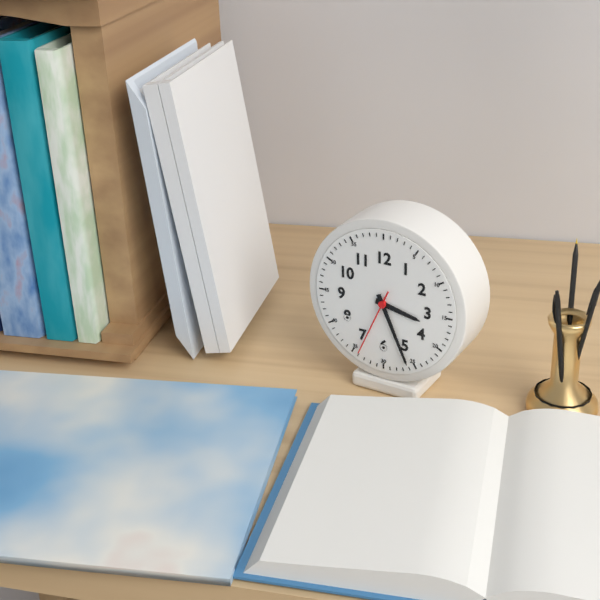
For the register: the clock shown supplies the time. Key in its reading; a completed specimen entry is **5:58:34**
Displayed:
**3:26:34**
